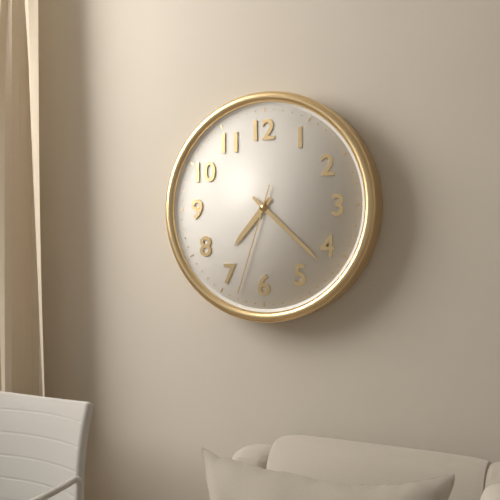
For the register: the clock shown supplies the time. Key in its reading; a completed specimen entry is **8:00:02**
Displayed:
**7:22:33**
